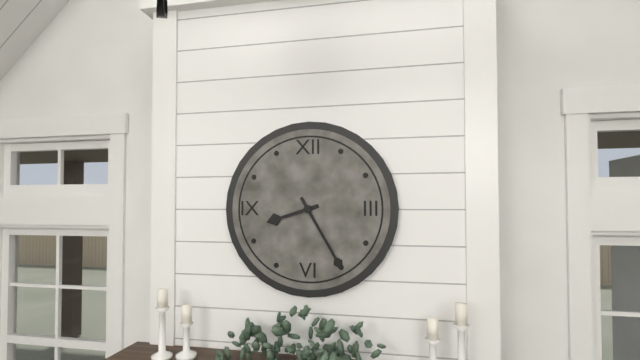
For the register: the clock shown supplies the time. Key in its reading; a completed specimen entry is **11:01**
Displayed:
**8:25**
